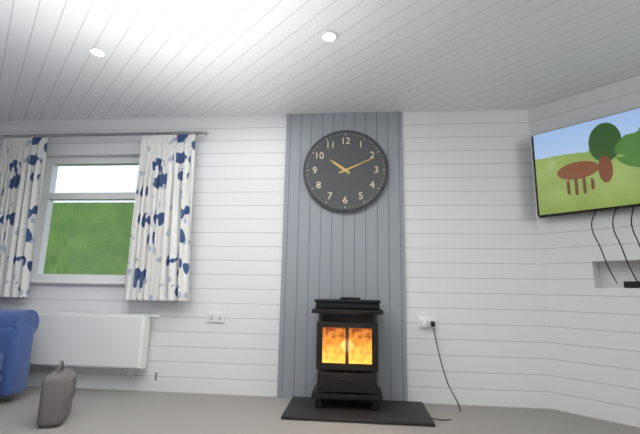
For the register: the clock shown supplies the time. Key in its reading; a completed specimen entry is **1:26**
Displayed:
**10:11**
